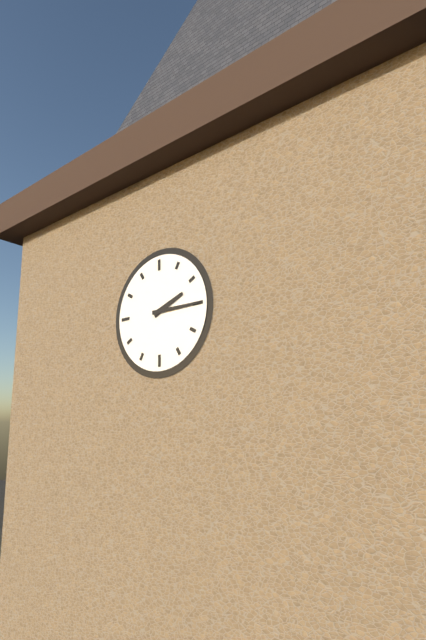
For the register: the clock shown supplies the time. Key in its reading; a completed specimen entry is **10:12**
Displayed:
**2:15**
